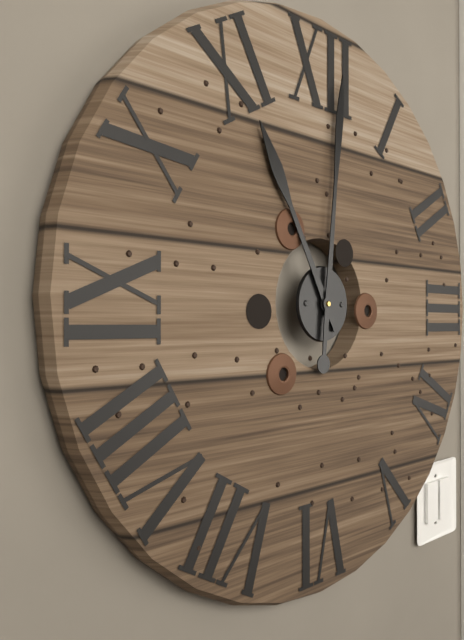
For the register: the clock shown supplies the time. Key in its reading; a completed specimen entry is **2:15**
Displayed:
**11:01**
